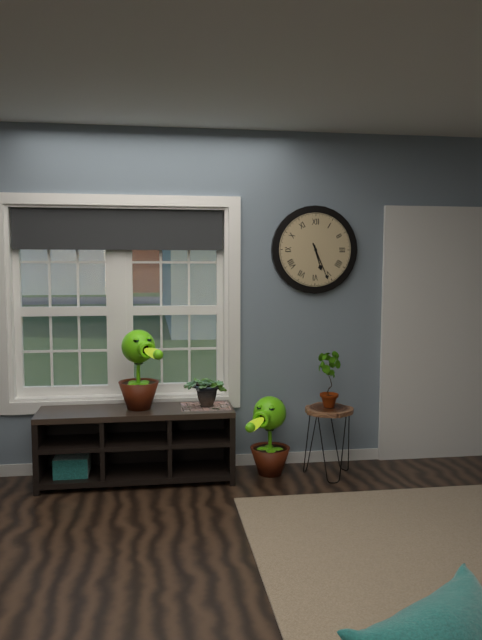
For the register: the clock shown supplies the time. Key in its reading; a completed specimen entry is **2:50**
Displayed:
**5:26**
